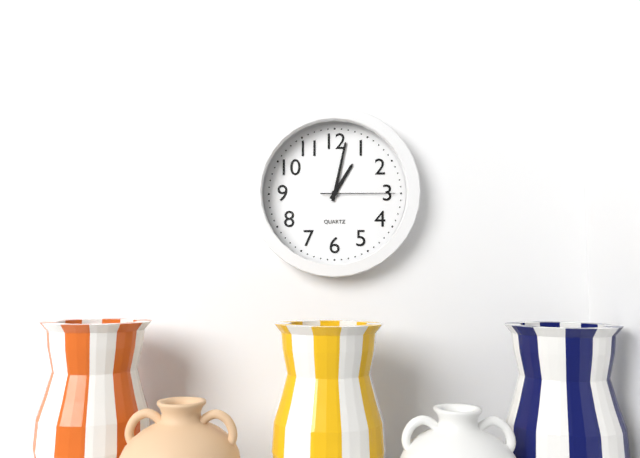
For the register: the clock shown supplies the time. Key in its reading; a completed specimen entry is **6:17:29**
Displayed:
**1:02:15**
